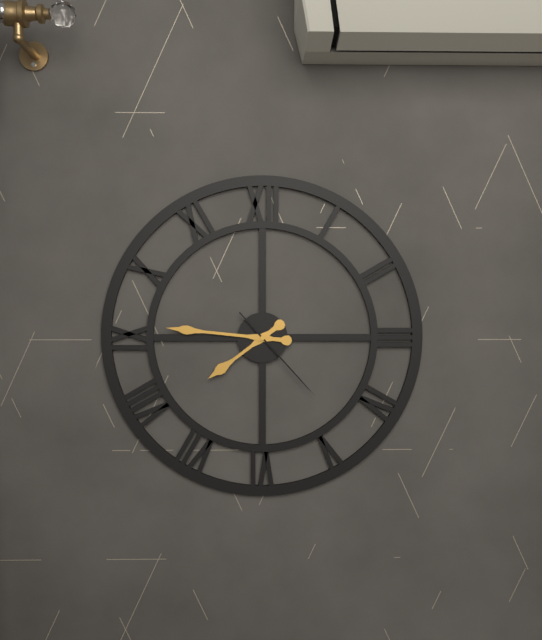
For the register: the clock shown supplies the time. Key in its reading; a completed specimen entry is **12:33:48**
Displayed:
**7:46:23**
